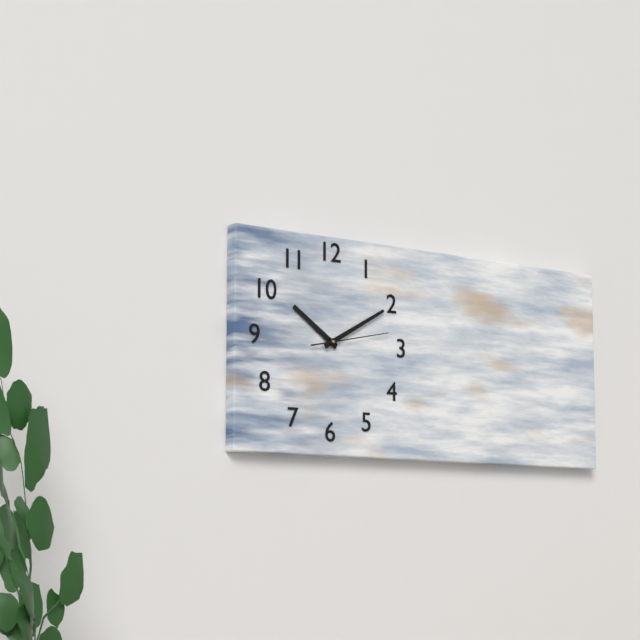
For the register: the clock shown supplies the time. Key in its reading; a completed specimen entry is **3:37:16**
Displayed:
**10:10:13**
